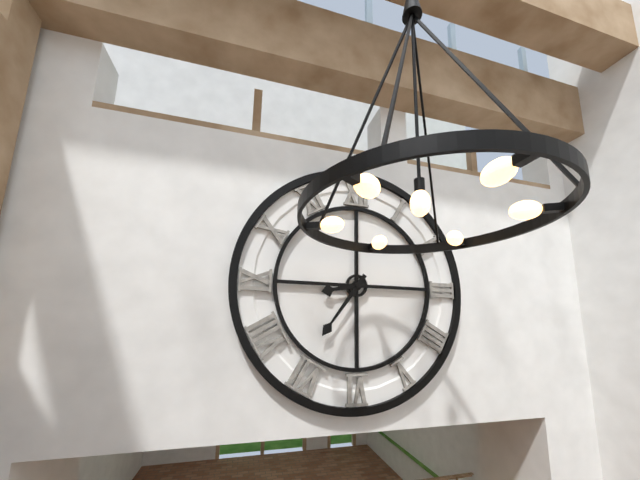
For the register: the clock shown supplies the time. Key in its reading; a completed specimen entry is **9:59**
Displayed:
**8:36**
